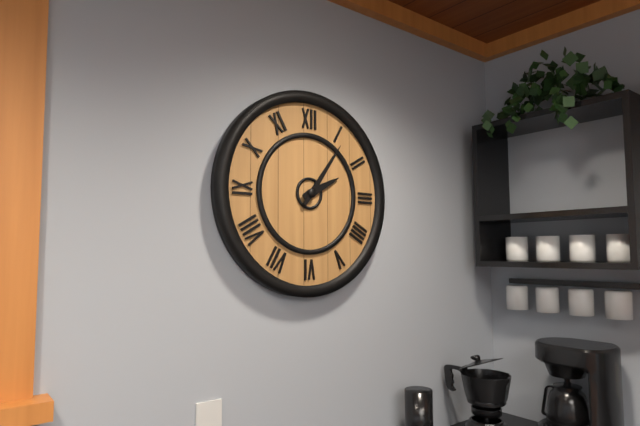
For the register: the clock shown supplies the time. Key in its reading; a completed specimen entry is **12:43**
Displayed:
**2:06**
